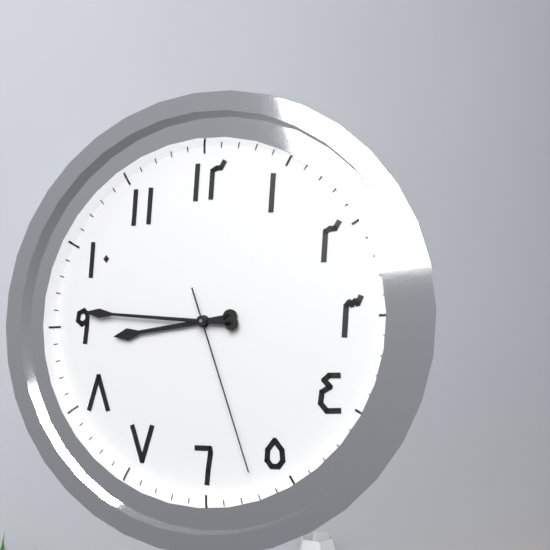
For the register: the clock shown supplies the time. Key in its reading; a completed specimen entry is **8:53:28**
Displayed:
**8:46:27**
